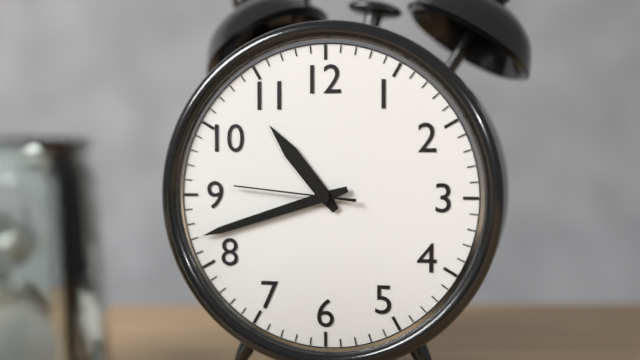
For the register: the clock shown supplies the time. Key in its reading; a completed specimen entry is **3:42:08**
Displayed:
**10:42:46**
